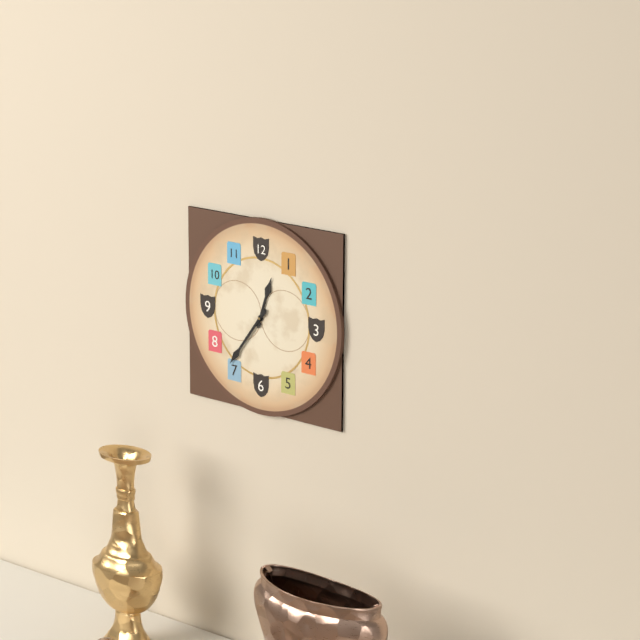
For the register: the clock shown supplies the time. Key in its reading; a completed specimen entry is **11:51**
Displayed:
**12:36**
